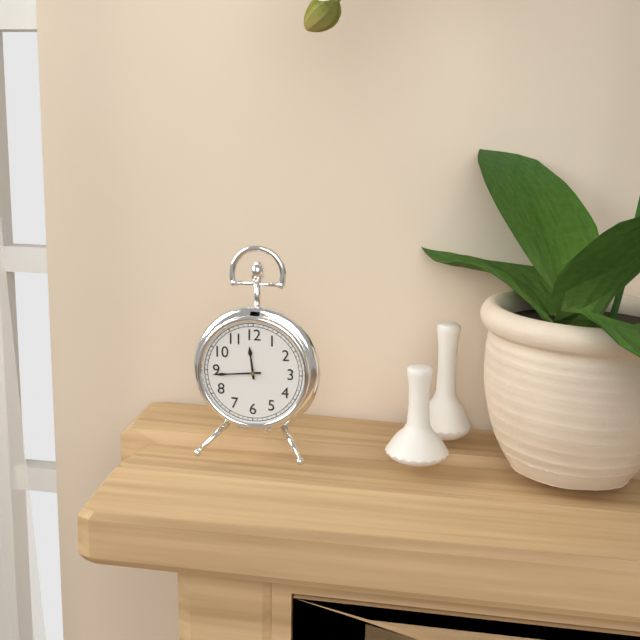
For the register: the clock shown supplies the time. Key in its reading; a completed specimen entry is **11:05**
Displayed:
**11:44**
